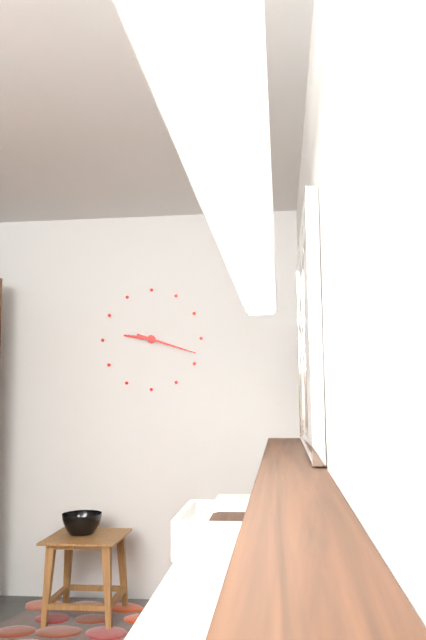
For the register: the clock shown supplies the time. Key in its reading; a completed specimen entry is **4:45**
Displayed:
**9:18**
